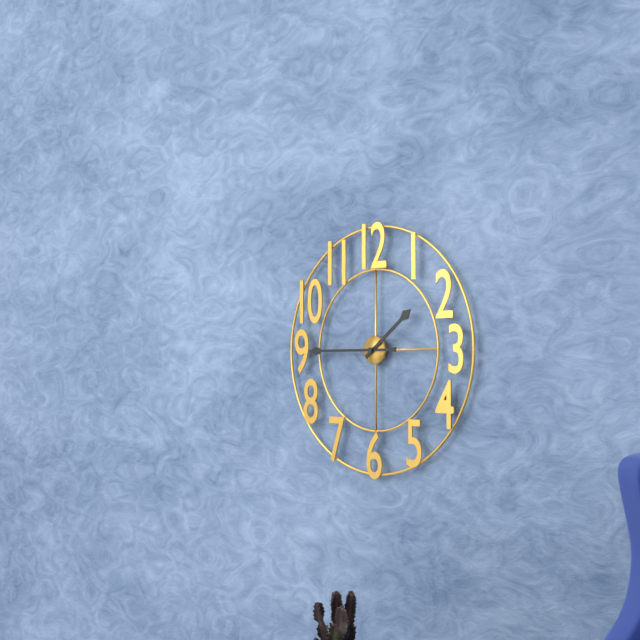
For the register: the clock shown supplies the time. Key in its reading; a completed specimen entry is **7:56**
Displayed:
**1:45**
